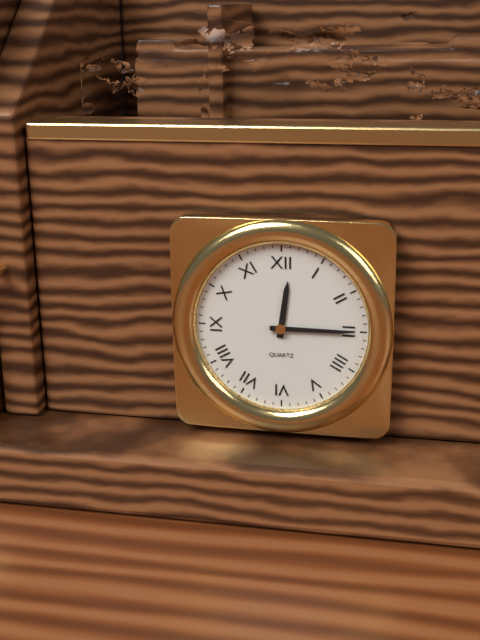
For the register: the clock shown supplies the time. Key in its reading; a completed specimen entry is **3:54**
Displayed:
**12:15**
